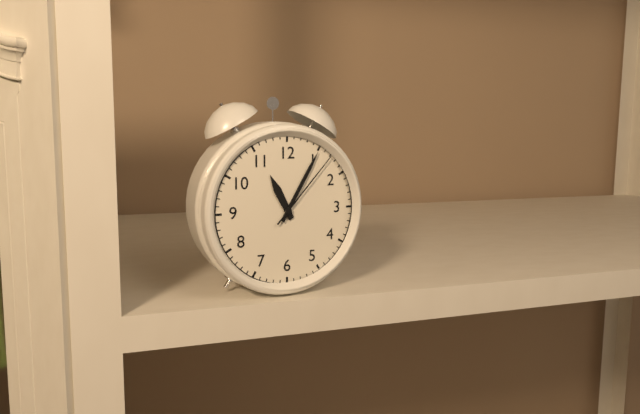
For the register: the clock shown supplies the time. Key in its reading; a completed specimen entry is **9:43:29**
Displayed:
**11:05:07**
